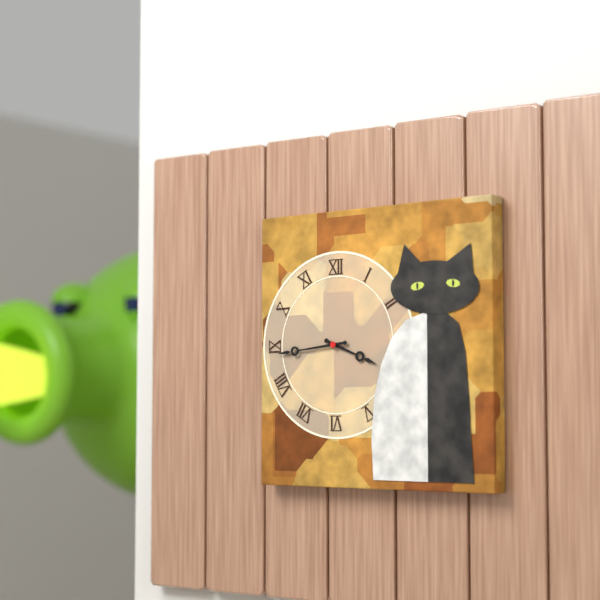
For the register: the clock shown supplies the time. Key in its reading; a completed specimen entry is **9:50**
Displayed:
**3:44**
